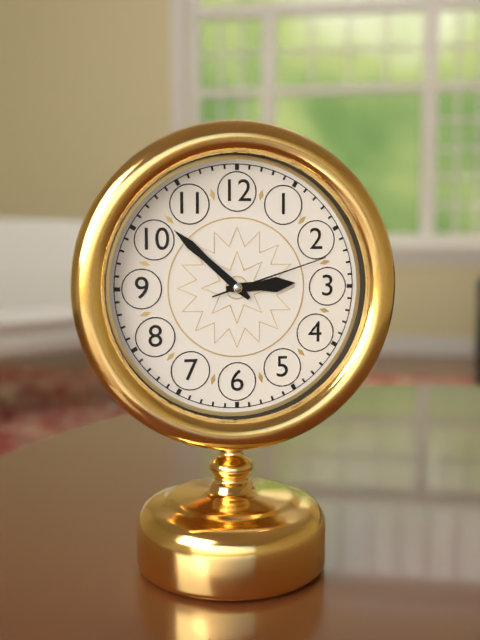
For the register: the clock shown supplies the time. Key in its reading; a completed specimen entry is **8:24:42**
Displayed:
**2:52:12**
